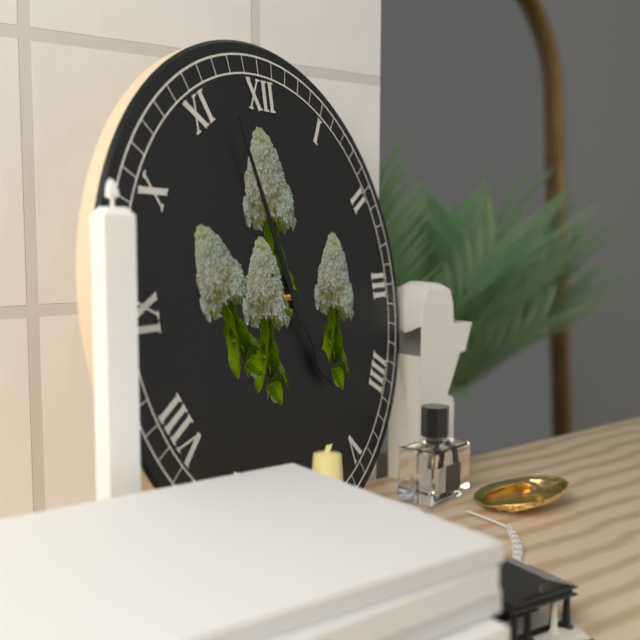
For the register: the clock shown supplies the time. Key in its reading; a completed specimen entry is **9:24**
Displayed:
**4:57**
